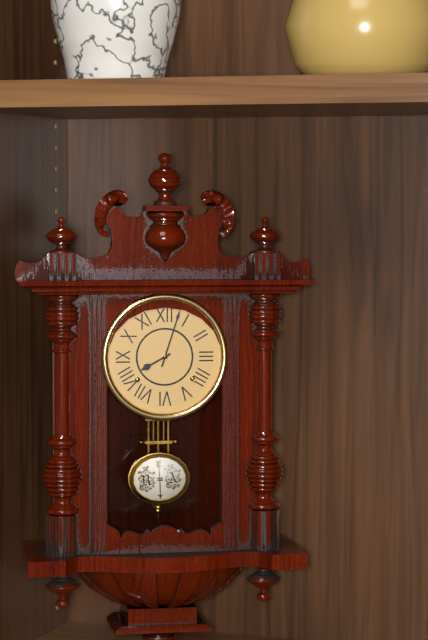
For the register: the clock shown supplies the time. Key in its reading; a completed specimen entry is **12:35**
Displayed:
**8:03**
